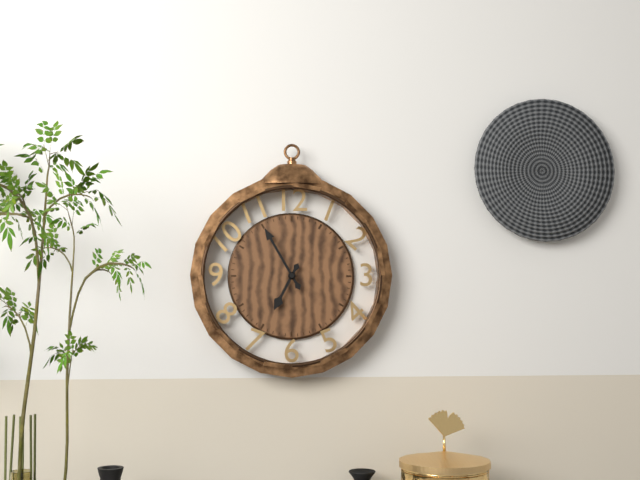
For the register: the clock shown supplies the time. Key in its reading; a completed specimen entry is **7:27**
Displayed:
**6:55**
